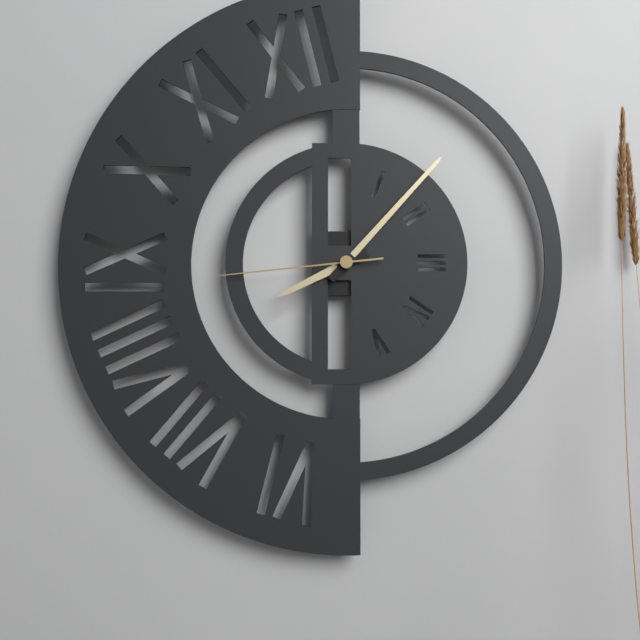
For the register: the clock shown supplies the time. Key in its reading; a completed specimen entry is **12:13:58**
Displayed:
**8:07:44**
